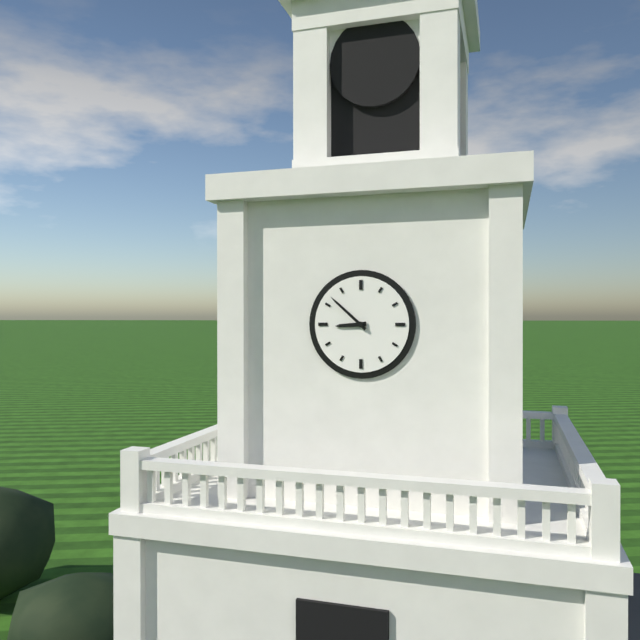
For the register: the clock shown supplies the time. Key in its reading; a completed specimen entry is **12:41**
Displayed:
**8:52**
